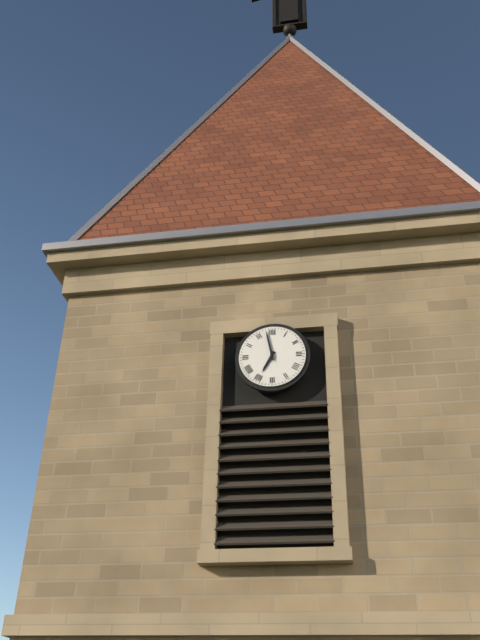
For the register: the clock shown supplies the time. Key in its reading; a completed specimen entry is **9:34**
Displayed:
**6:58**
